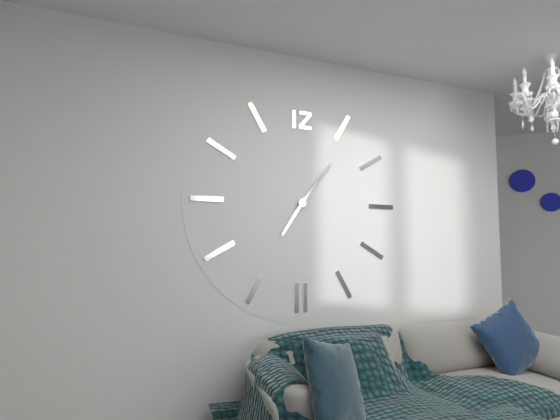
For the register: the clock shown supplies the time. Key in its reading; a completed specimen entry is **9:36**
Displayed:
**7:06**
